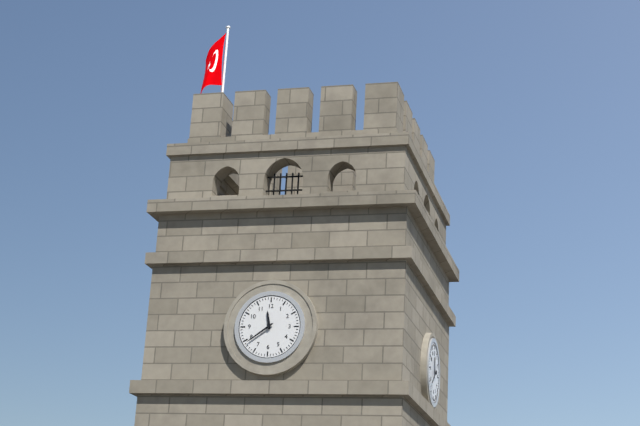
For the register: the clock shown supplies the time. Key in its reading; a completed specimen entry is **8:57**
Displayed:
**11:39**
